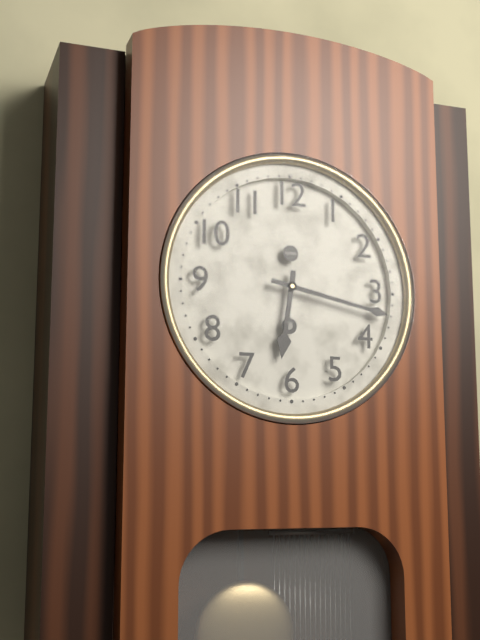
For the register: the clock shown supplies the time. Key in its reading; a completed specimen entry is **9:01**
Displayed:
**6:17**
